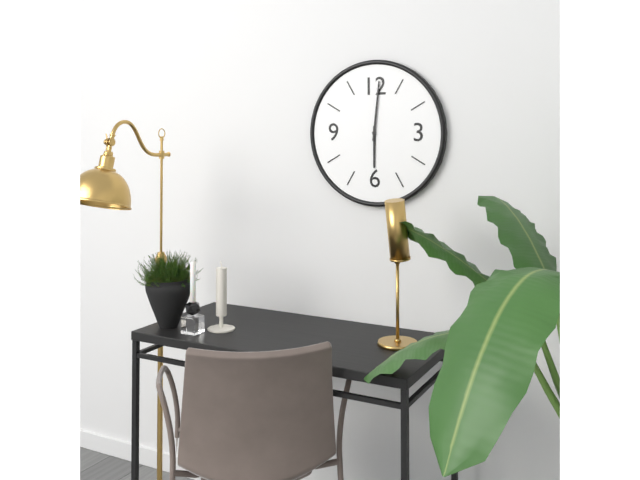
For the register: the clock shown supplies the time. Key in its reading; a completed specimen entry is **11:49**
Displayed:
**6:01**
